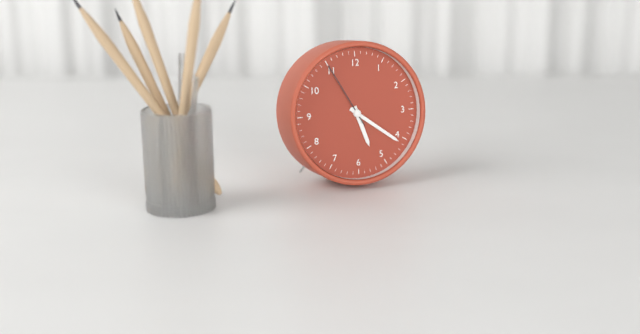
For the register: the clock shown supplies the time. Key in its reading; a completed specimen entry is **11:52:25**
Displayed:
**5:21:55**
